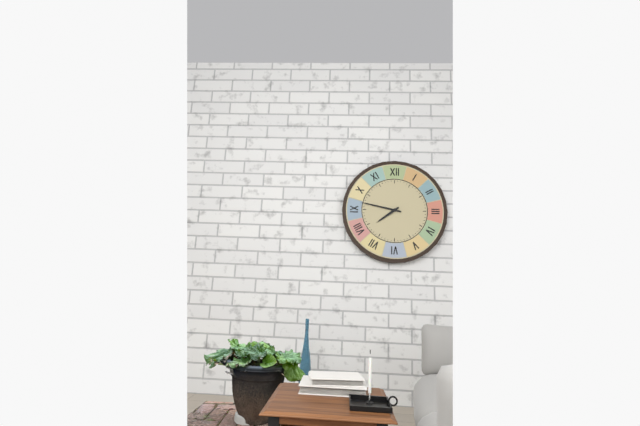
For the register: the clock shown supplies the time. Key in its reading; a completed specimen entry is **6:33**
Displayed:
**7:47**
